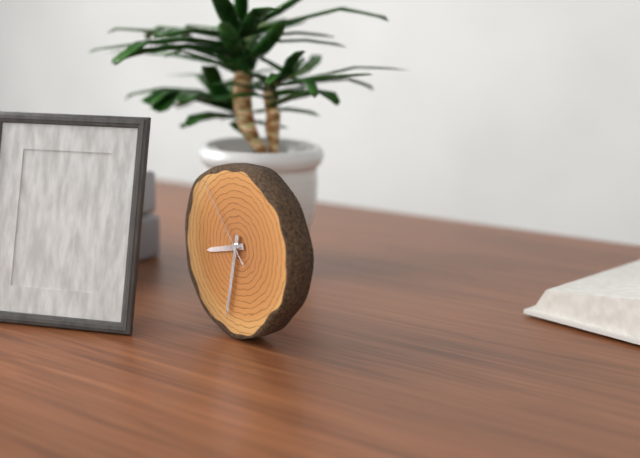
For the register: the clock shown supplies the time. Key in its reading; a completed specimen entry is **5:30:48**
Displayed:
**8:32:53**
